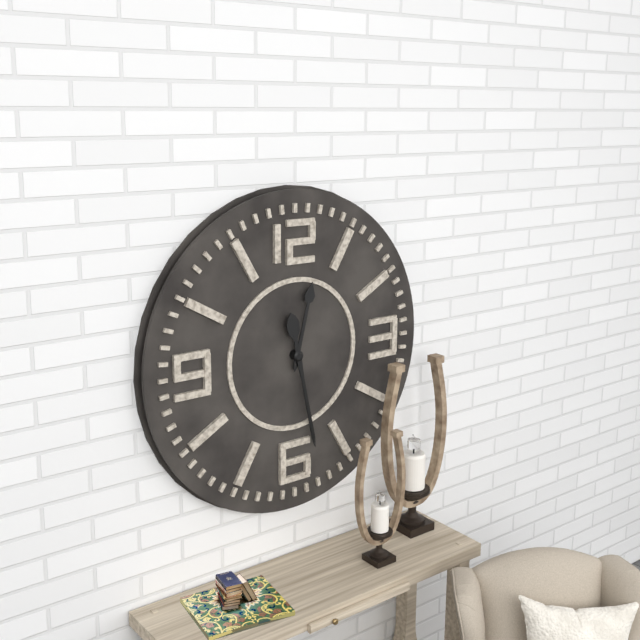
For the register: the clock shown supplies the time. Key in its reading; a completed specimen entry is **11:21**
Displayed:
**12:28**
